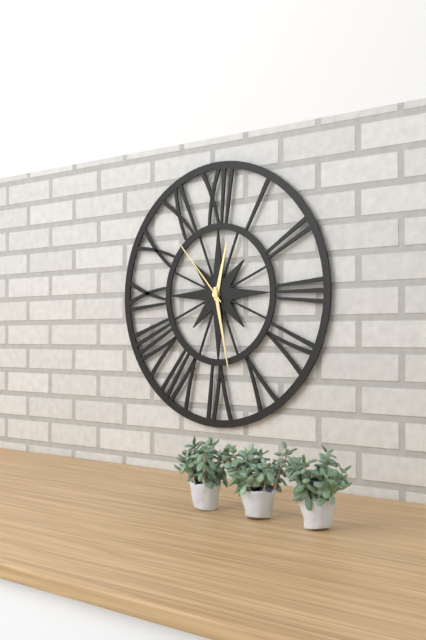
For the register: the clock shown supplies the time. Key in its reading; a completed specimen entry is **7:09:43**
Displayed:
**12:28:53**
